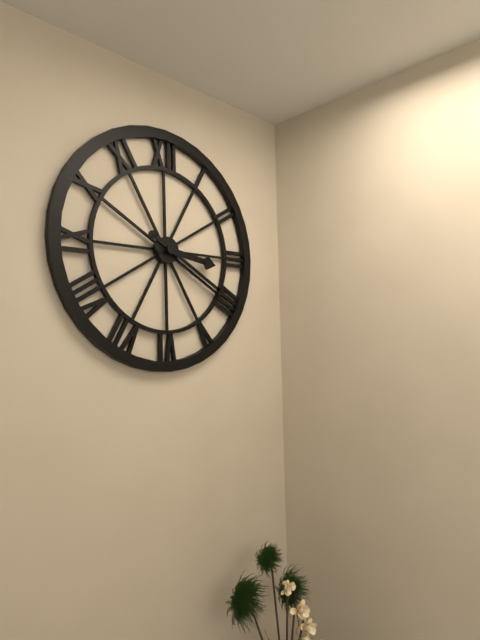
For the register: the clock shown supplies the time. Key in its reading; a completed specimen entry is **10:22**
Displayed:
**3:20**
